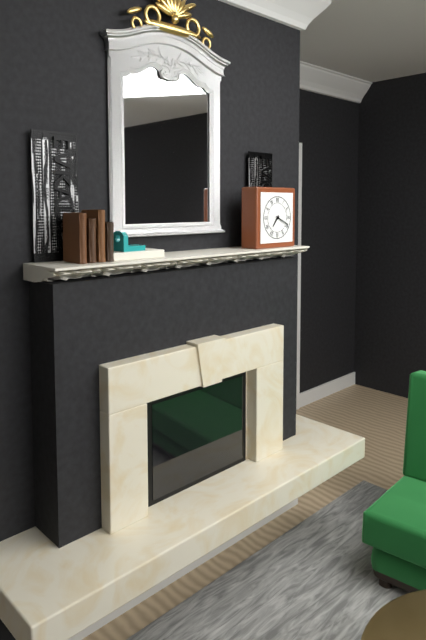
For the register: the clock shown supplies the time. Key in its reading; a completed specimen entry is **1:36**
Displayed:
**7:19**
